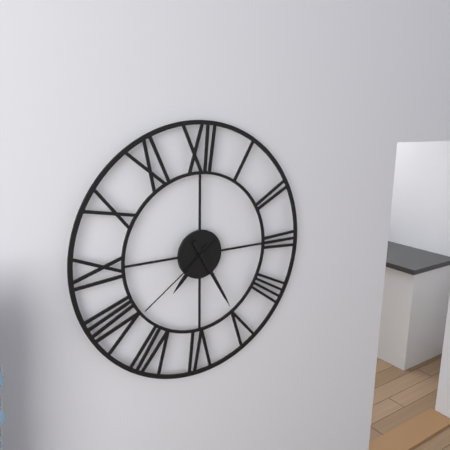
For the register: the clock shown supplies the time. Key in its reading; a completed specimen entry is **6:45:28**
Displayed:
**7:25:39**
